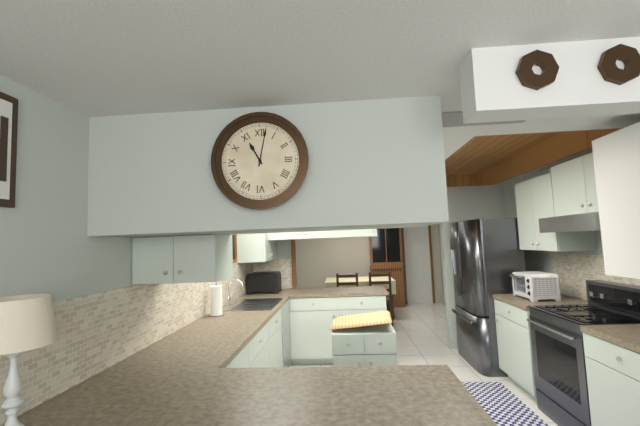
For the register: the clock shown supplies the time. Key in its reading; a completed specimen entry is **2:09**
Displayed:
**11:02**
